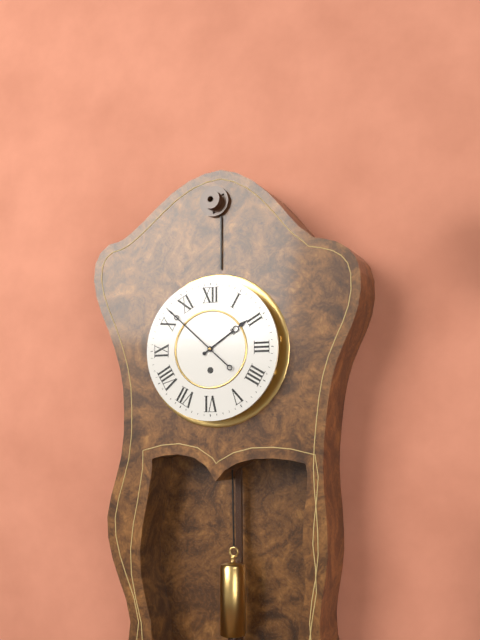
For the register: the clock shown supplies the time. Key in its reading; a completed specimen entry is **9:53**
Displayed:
**1:52**
